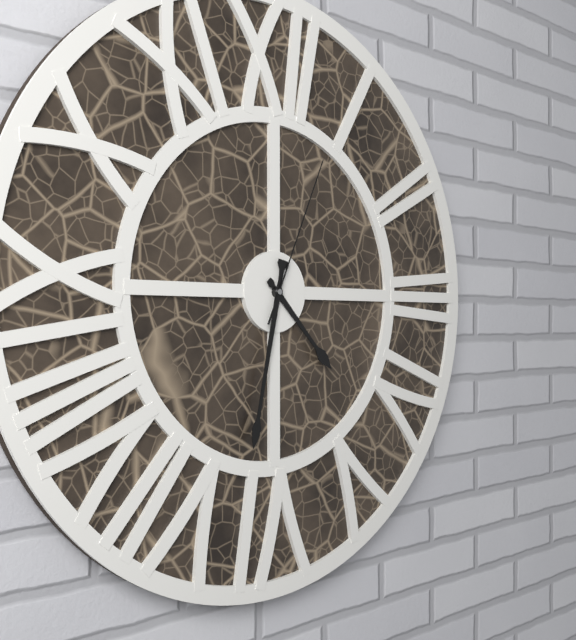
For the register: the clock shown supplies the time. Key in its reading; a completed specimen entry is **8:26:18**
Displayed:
**4:32:04**
